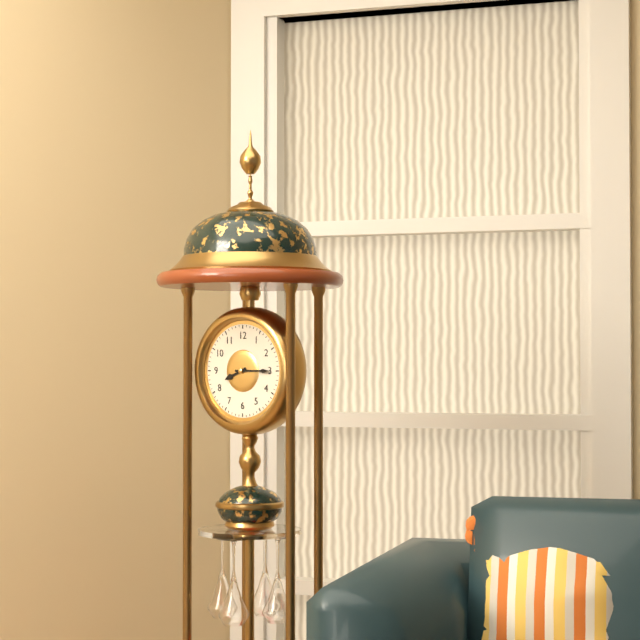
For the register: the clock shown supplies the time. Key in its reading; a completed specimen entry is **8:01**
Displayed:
**8:15**
